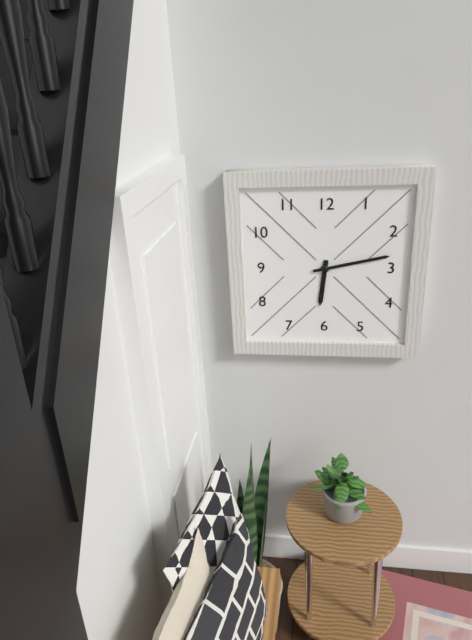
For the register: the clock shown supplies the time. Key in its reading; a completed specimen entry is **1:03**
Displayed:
**6:13**
